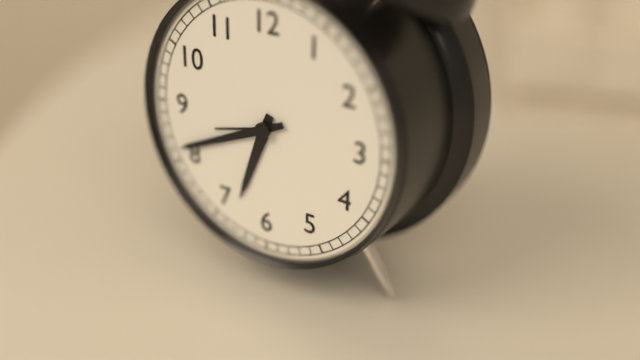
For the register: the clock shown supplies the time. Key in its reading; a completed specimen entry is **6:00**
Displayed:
**6:41**
